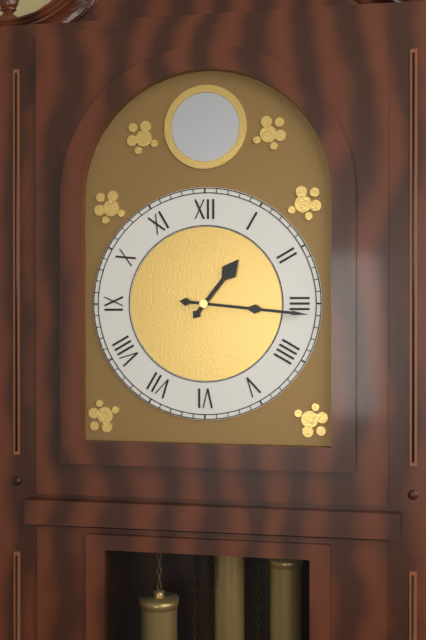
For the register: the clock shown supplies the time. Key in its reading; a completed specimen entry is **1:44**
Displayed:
**1:16**
